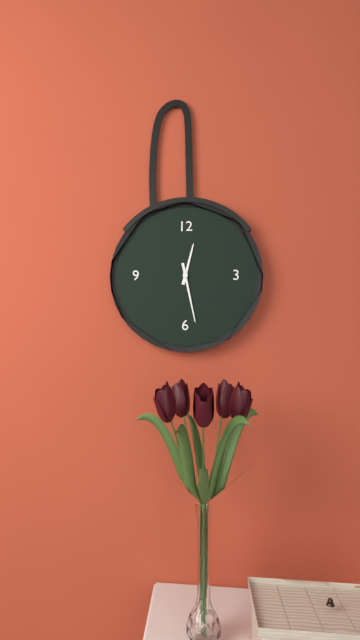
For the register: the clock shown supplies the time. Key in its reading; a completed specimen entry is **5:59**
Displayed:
**12:28**
